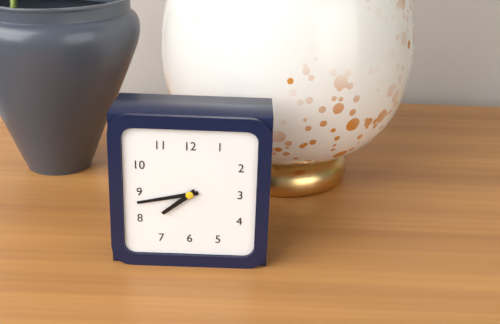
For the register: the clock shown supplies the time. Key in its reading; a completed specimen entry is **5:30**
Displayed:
**7:43**
